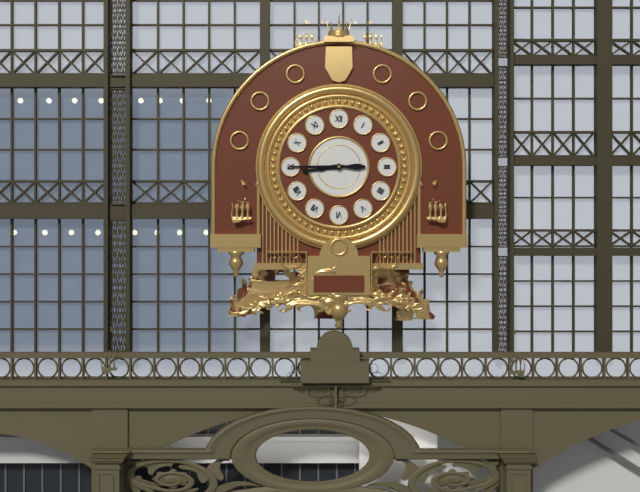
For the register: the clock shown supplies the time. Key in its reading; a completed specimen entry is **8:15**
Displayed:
**8:45**
